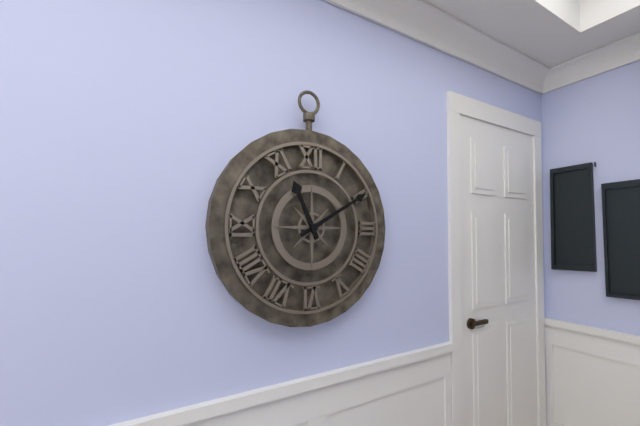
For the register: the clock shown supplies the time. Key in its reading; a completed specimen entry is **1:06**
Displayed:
**11:10**
